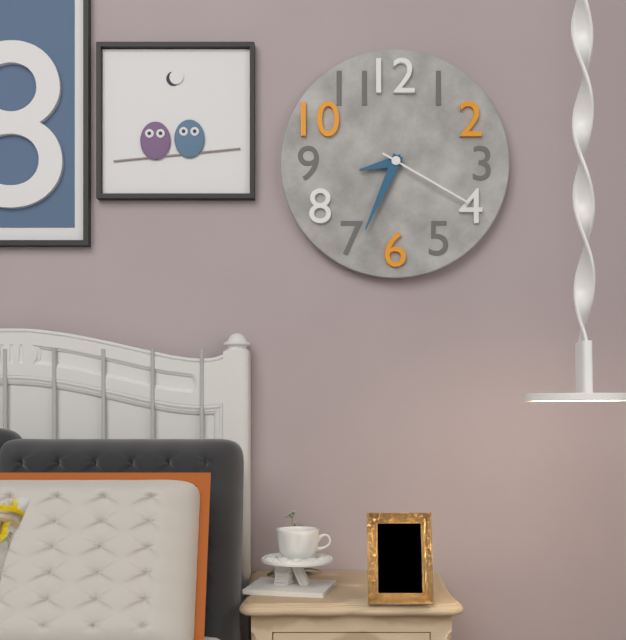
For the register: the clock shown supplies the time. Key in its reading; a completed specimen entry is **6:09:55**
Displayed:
**8:34:20**
